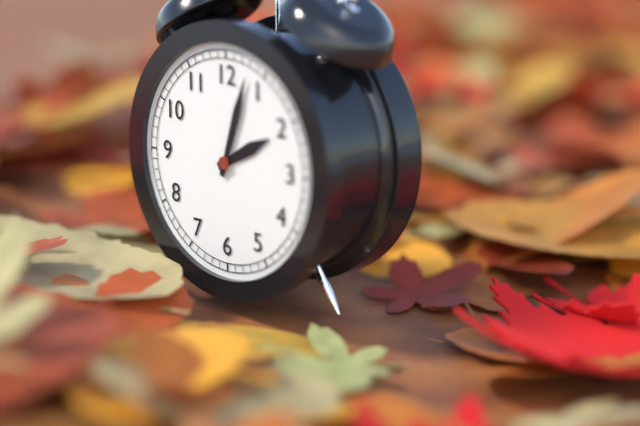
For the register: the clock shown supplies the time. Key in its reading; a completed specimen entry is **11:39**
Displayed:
**2:03**
